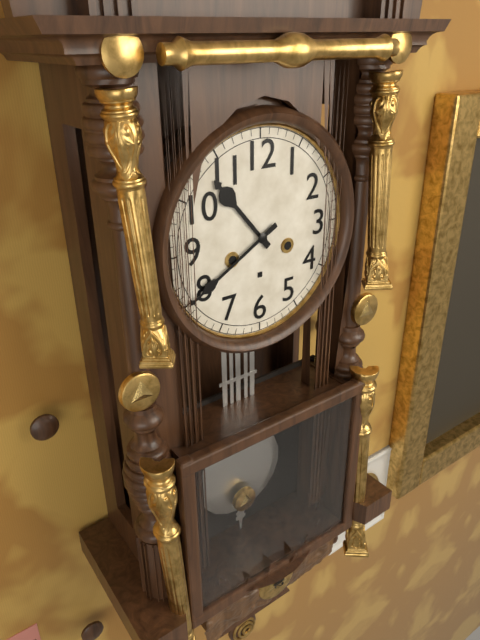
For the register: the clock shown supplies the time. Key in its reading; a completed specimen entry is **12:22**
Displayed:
**10:40**
